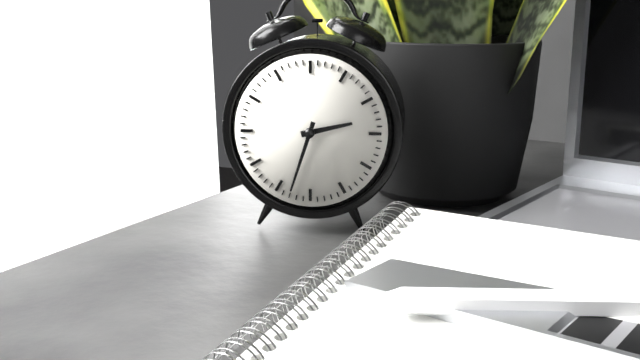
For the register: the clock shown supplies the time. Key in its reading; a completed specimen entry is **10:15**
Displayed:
**2:33**
